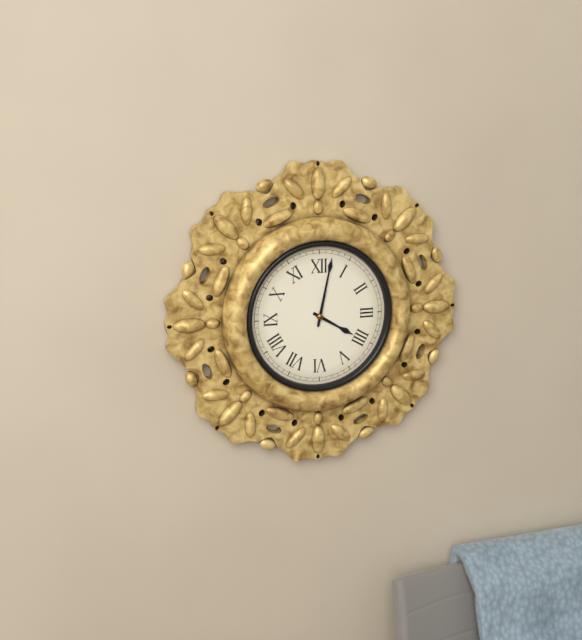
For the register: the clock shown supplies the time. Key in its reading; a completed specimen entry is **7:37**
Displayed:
**4:02**
